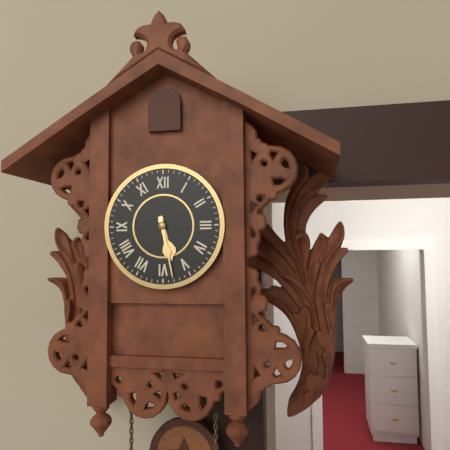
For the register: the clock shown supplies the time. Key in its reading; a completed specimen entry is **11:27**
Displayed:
**5:28**
